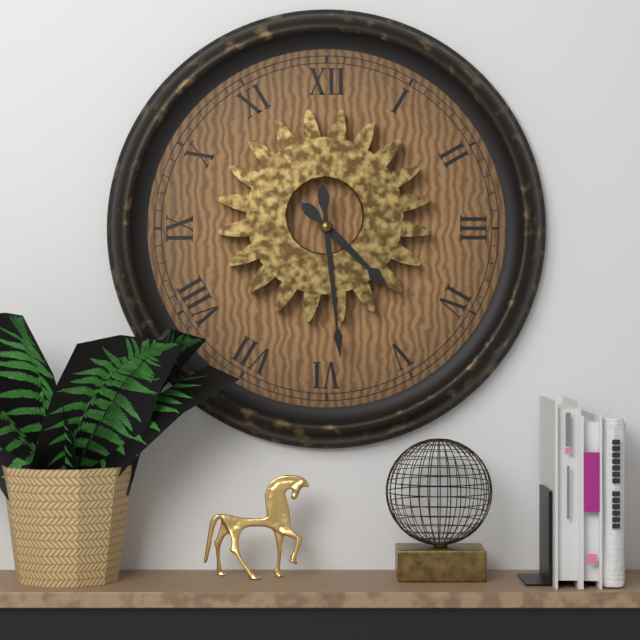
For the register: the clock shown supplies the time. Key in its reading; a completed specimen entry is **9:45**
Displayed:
**4:29**
